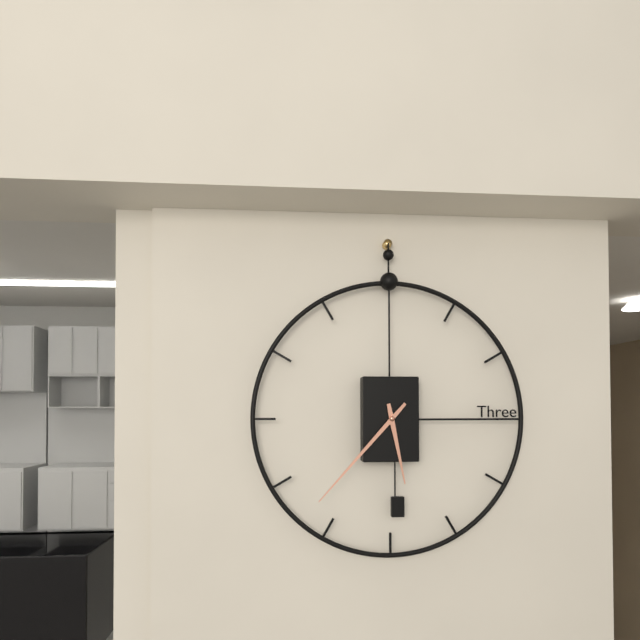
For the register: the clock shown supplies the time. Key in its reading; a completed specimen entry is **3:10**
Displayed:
**5:37**
